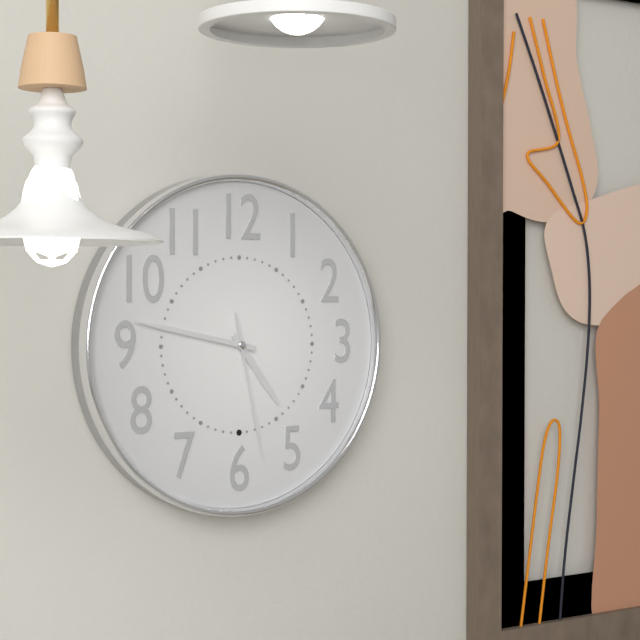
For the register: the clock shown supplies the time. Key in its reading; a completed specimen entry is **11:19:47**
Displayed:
**4:47:28**
